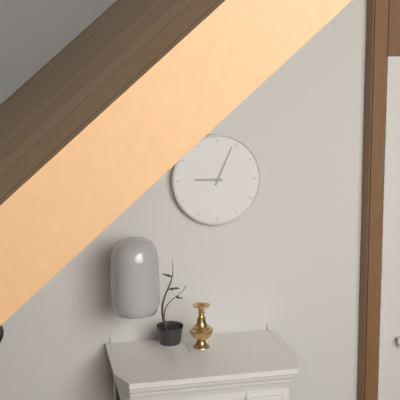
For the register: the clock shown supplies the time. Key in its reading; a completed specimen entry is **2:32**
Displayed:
**9:04**
